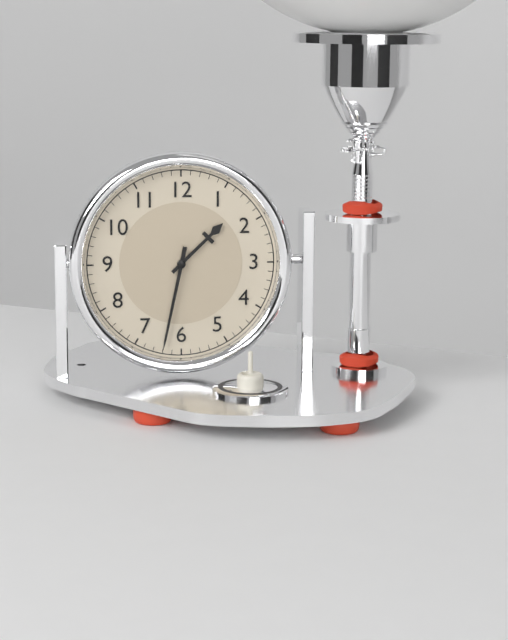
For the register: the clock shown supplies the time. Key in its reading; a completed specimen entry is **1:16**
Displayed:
**1:32**
